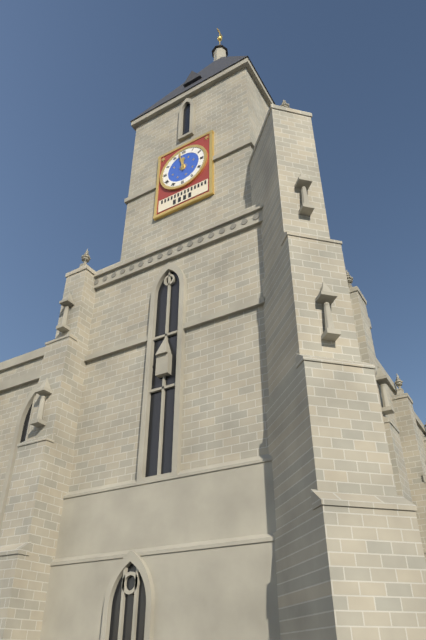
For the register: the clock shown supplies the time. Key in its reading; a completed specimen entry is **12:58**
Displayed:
**11:58**
